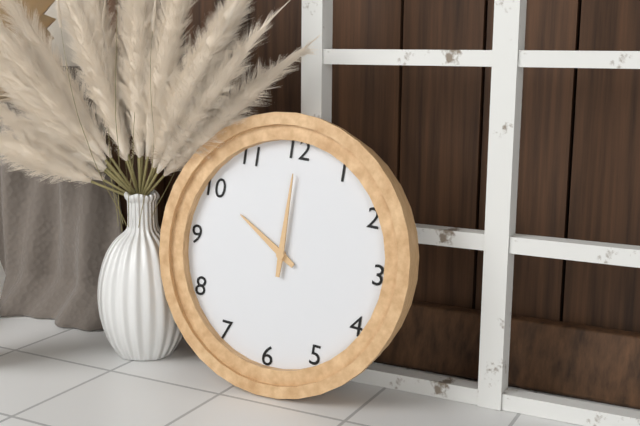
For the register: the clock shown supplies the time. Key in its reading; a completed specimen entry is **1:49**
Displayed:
**10:00**
